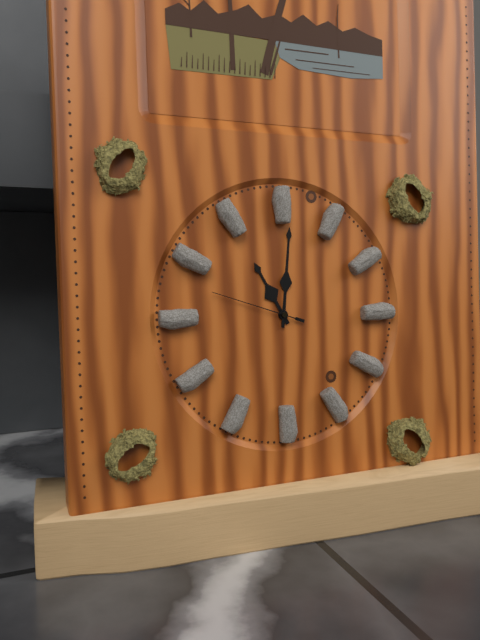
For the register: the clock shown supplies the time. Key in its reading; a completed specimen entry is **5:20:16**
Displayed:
**11:01:48**
